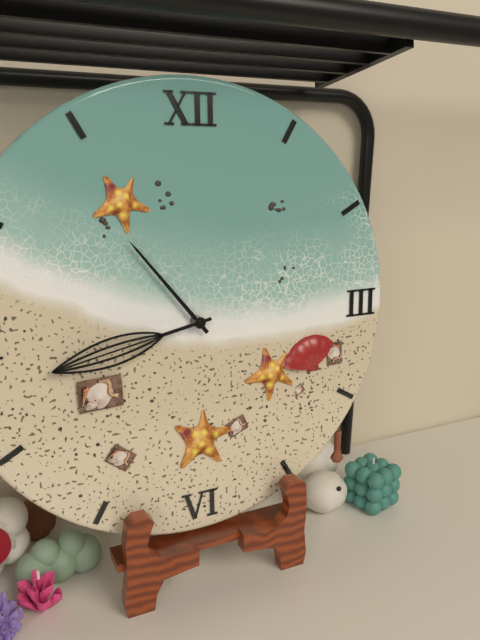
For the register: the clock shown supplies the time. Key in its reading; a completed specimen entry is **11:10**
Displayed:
**10:43**
